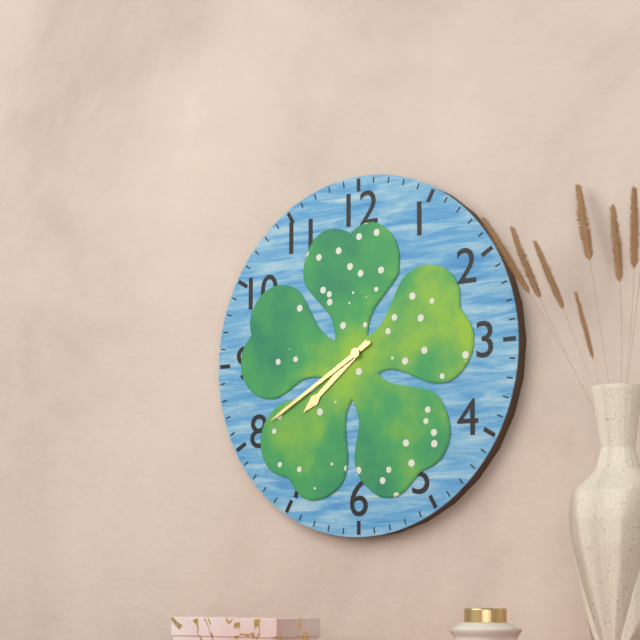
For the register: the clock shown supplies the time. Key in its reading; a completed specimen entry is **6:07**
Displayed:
**7:40**
